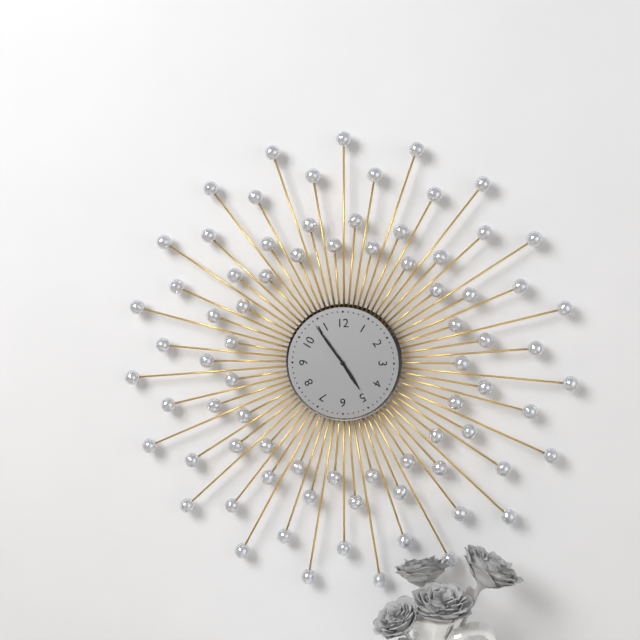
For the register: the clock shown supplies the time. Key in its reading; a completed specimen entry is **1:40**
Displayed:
**4:54**
